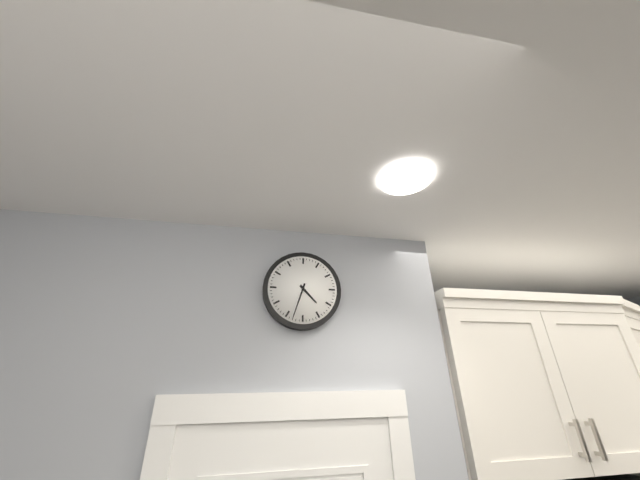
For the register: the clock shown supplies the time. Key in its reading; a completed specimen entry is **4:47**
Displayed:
**4:33**
